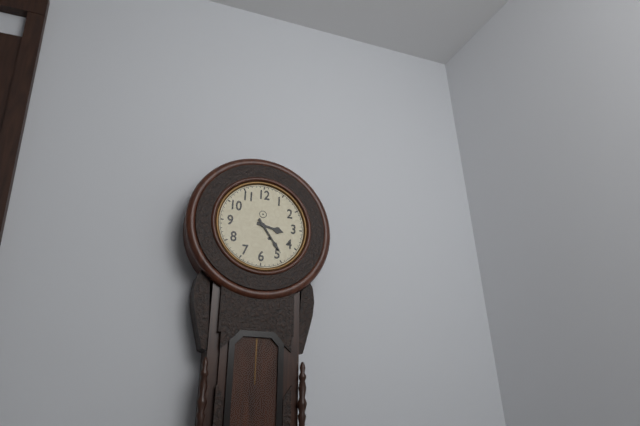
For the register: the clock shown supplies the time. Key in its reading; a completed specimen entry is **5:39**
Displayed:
**3:24**
